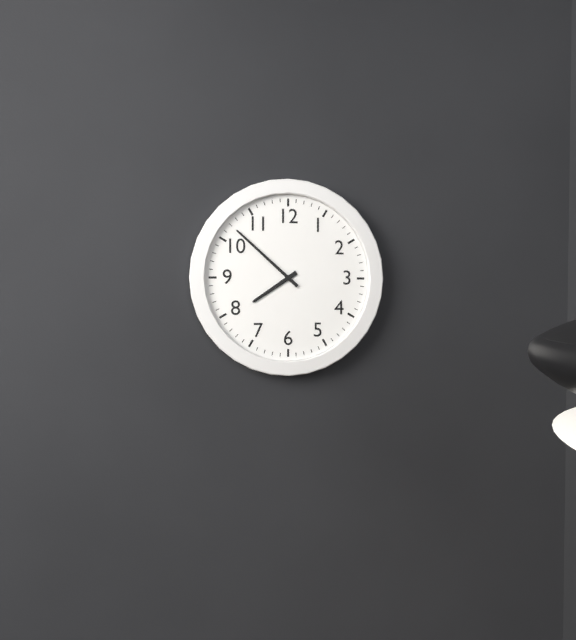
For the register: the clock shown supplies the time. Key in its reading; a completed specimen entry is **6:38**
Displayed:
**7:52**
